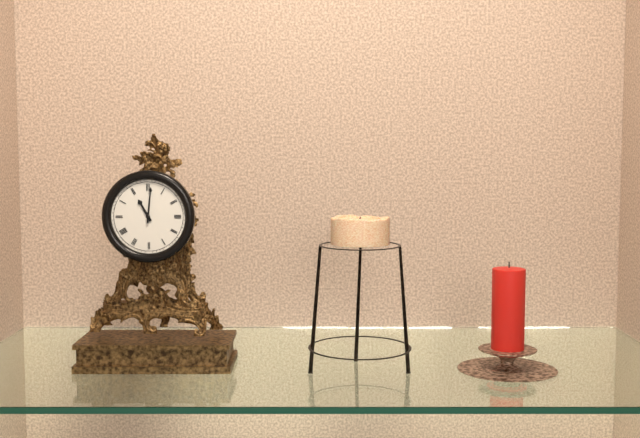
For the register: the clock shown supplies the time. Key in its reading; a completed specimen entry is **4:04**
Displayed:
**11:01**
